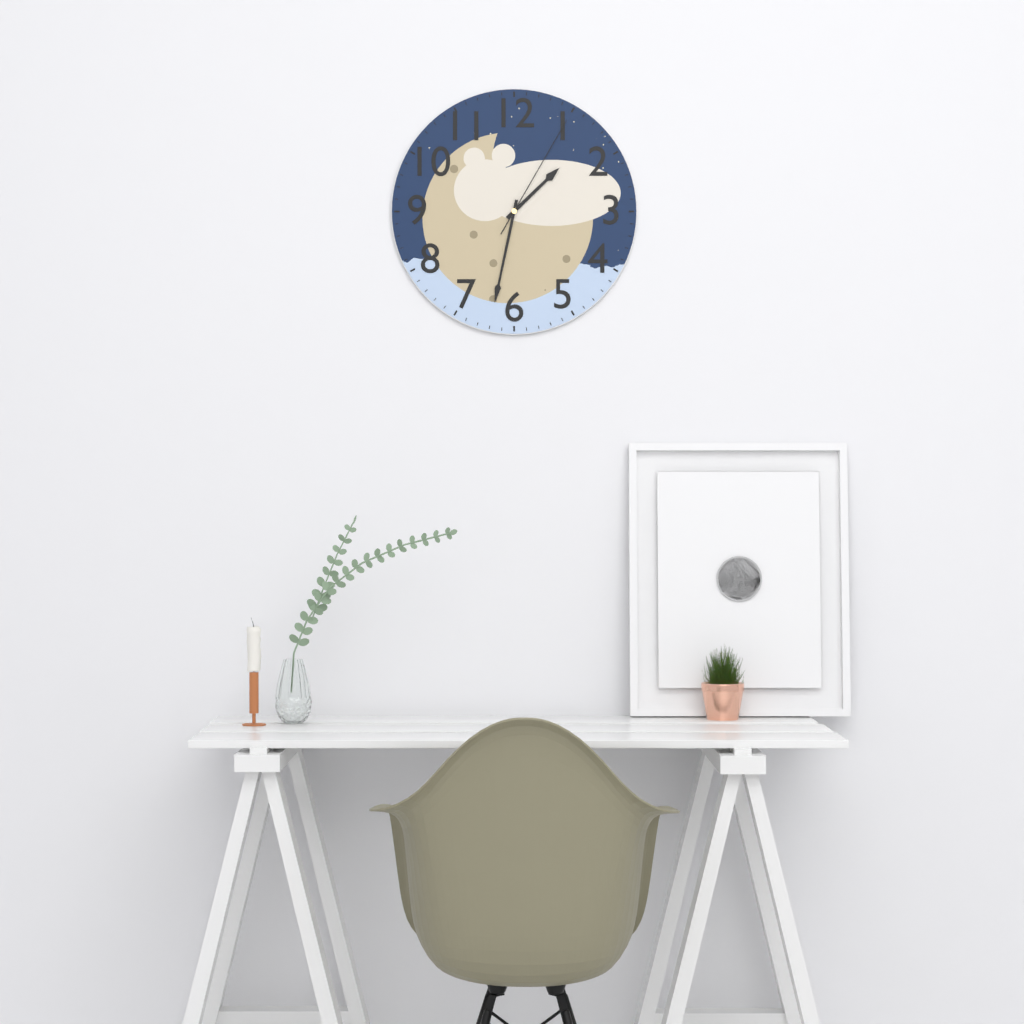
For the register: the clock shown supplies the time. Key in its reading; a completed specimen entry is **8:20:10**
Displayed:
**1:32:05**
